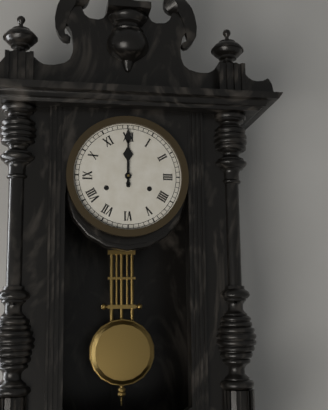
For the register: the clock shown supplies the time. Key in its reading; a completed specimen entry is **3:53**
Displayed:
**12:00**
